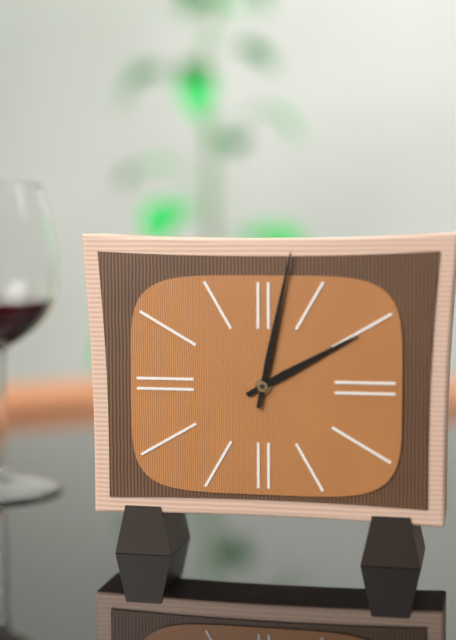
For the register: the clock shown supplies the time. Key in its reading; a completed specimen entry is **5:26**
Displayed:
**2:02**
